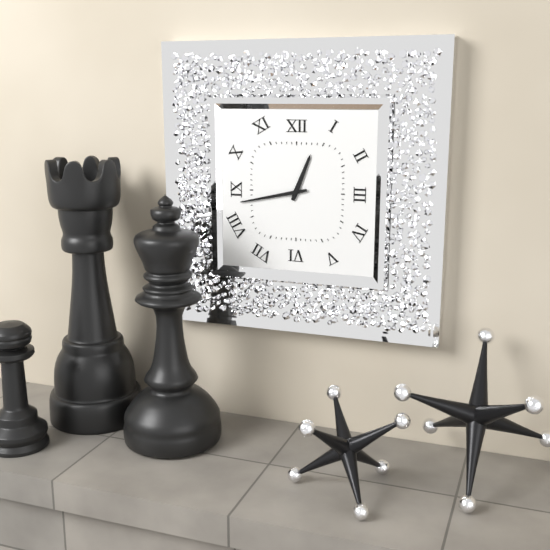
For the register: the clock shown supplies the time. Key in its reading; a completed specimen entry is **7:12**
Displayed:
**12:43**
